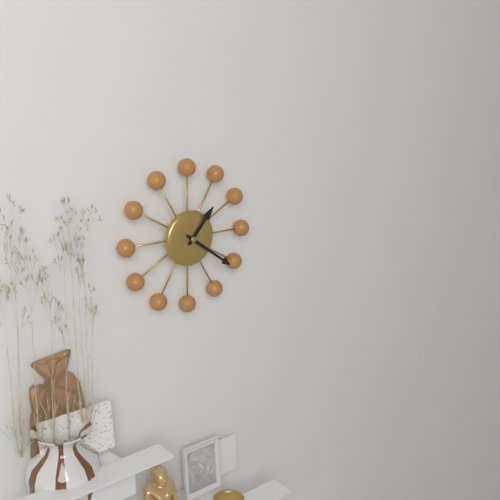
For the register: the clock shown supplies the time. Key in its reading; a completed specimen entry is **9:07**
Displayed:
**1:21**
